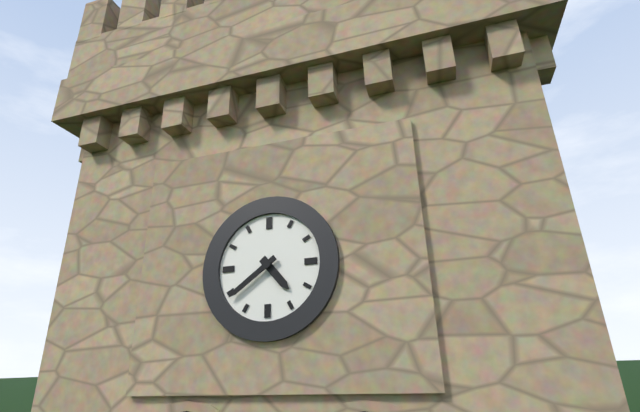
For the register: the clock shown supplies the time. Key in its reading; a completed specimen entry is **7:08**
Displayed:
**4:39**
